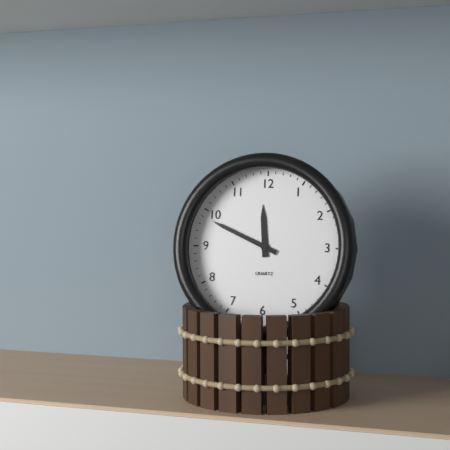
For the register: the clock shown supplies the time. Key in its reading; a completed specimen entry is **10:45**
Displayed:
**11:49**
